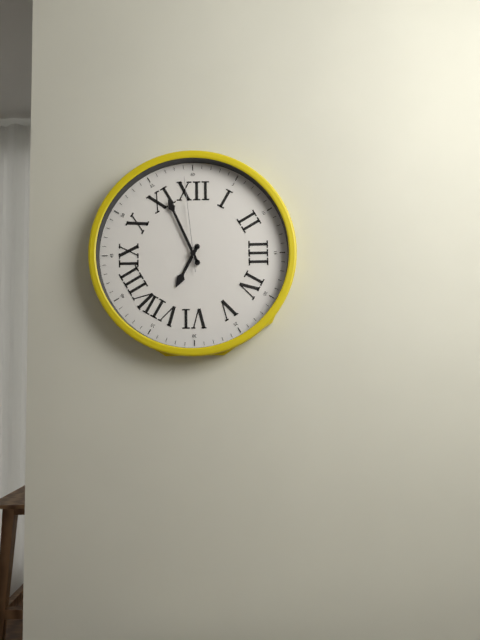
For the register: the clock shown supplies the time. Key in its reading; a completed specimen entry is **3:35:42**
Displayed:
**6:56:59**
